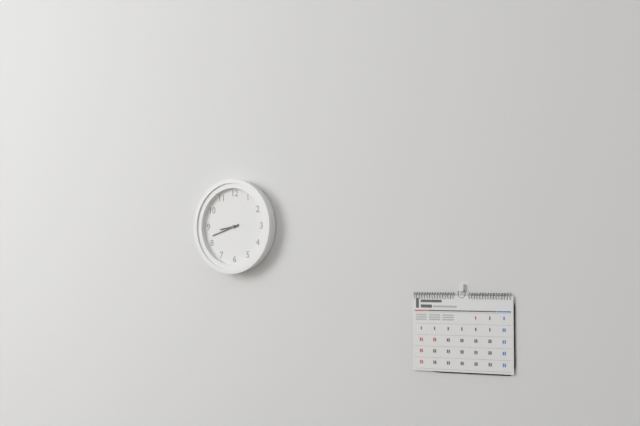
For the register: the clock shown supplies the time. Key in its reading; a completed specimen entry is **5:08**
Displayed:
**8:42**
